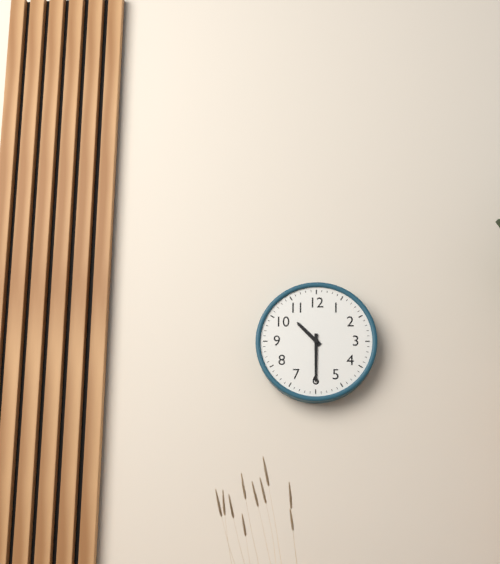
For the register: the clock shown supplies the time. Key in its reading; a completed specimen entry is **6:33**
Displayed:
**10:30**
